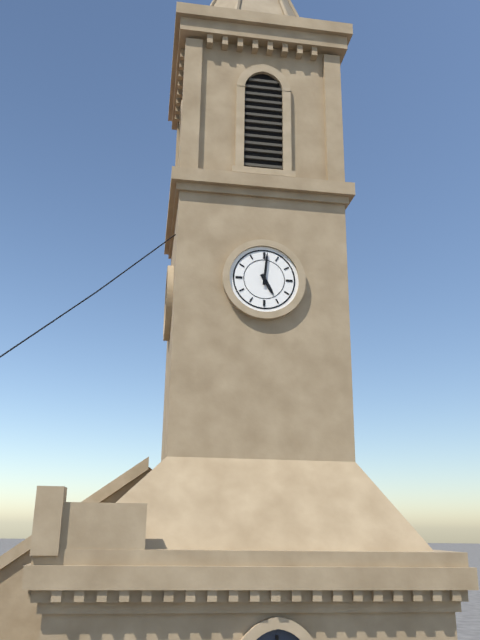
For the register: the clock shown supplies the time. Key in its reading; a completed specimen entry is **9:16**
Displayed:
**5:01**
